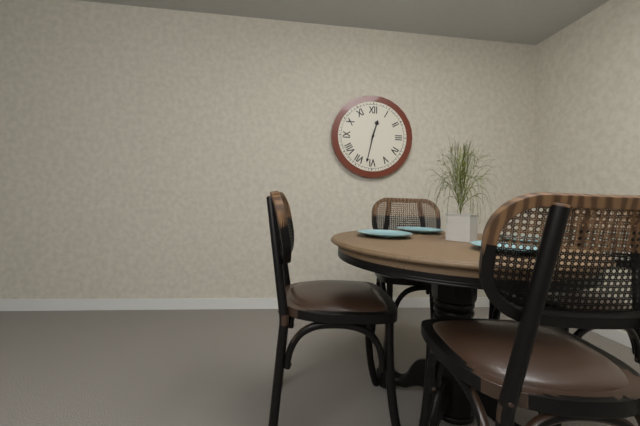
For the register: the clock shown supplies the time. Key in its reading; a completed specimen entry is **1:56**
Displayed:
**12:32**
